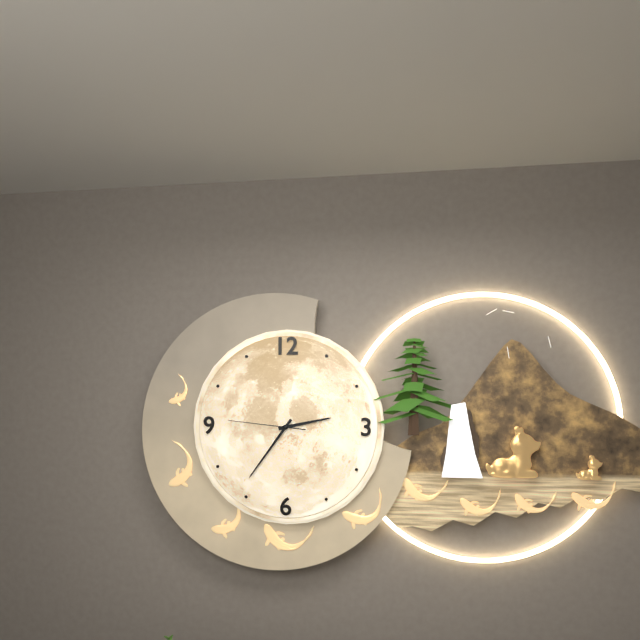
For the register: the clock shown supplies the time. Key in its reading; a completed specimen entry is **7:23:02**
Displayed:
**2:36:46**
